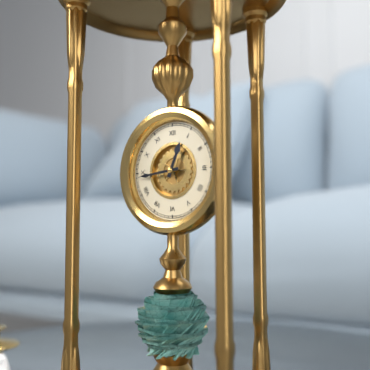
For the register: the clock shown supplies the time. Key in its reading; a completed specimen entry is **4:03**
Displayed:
**12:44**
